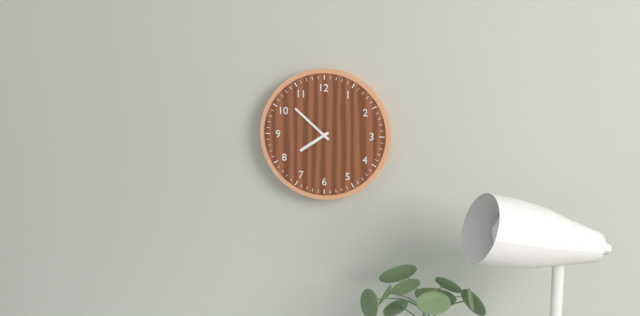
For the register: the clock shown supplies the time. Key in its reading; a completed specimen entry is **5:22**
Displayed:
**7:52**
